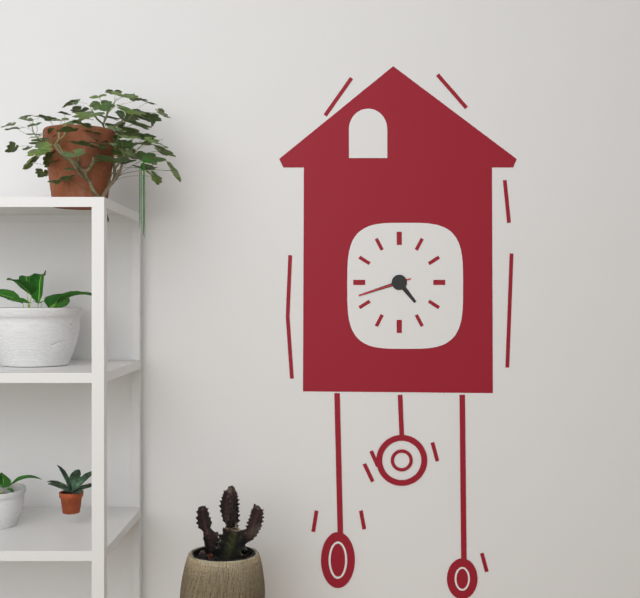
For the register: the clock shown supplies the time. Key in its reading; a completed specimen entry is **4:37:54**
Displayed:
**4:42:42**
